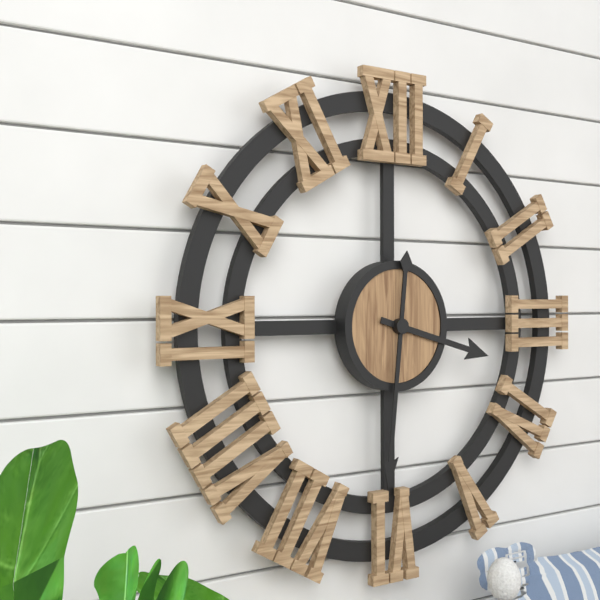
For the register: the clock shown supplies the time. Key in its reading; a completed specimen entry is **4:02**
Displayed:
**3:31**
